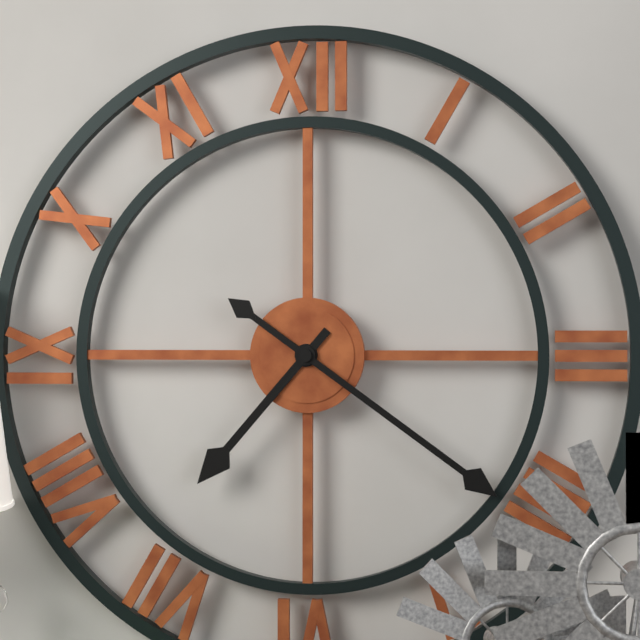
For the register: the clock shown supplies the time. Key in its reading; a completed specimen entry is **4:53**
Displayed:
**7:21**
